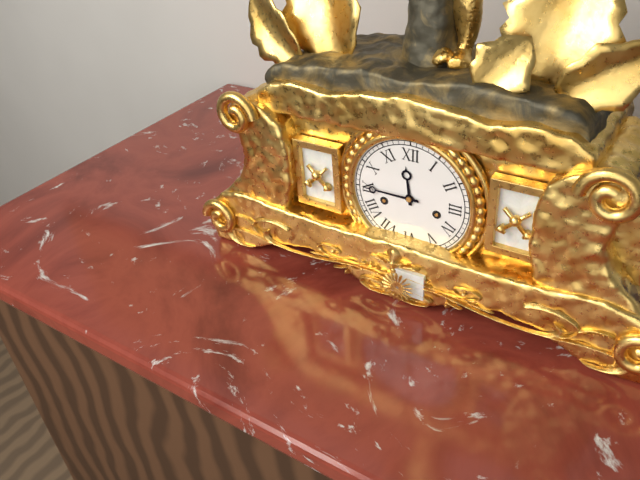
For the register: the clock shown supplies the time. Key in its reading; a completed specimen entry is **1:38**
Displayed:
**11:45**
